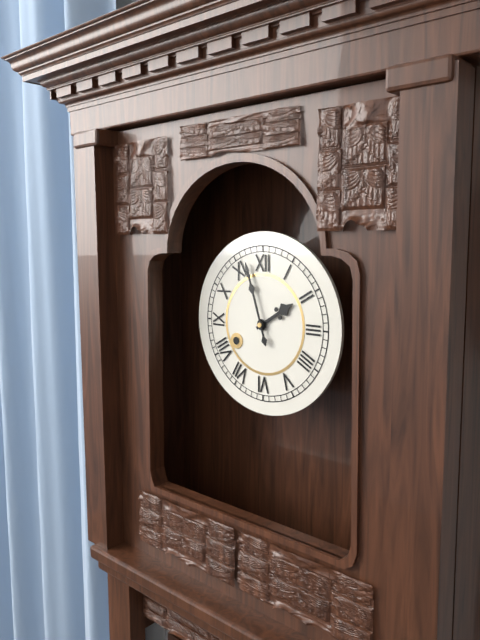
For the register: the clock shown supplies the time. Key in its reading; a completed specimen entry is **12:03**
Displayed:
**1:57**
